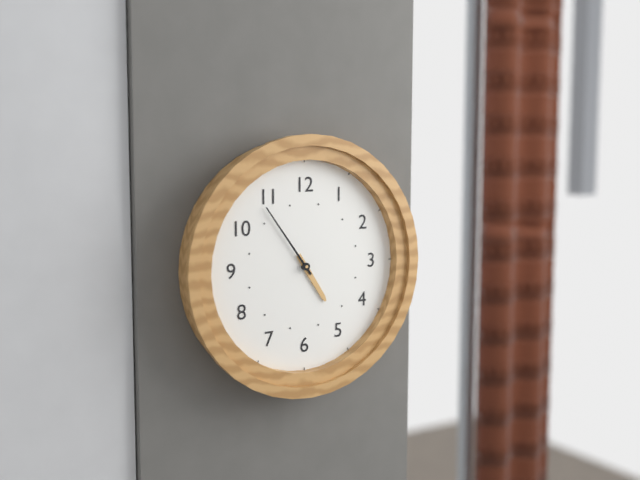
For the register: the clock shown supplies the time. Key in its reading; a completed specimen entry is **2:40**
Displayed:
**4:54**
